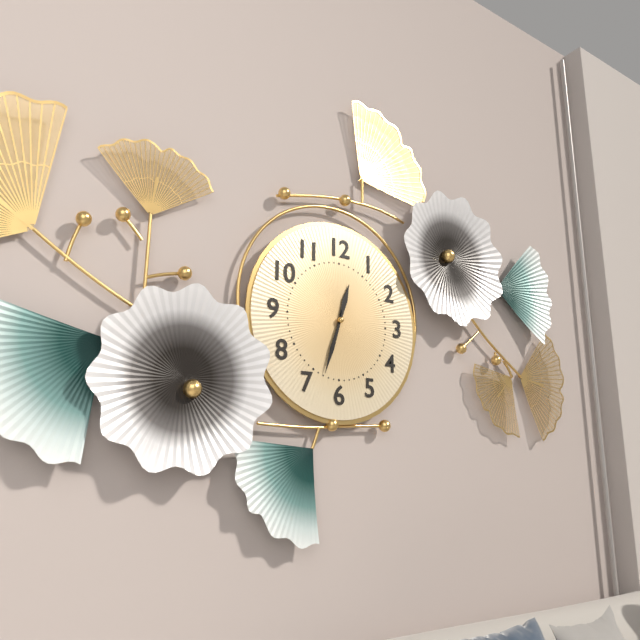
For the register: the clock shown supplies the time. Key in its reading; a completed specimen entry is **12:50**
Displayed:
**12:33**
